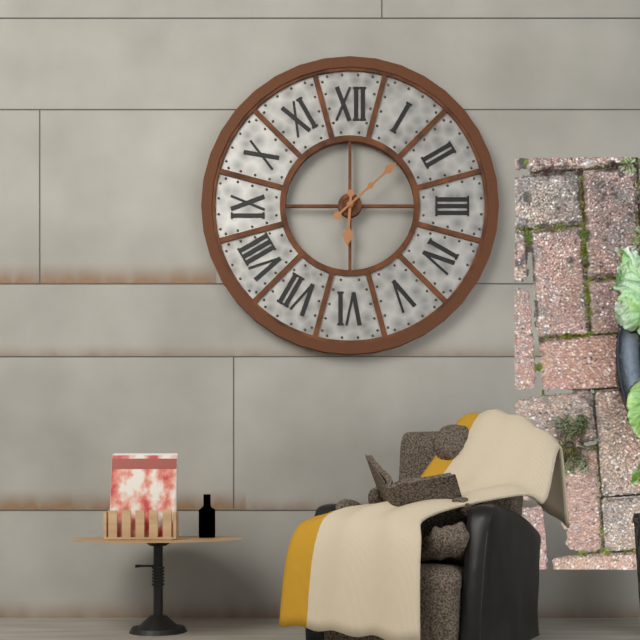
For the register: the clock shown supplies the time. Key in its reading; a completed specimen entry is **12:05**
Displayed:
**6:08**
